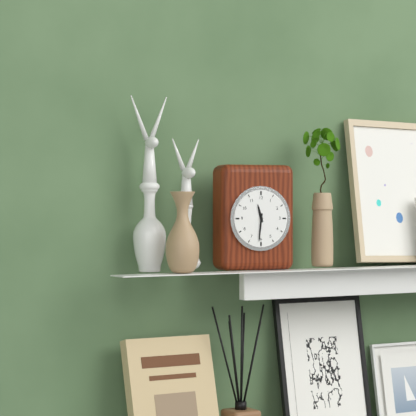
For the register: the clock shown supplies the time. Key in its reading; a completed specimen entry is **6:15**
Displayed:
**11:31**
